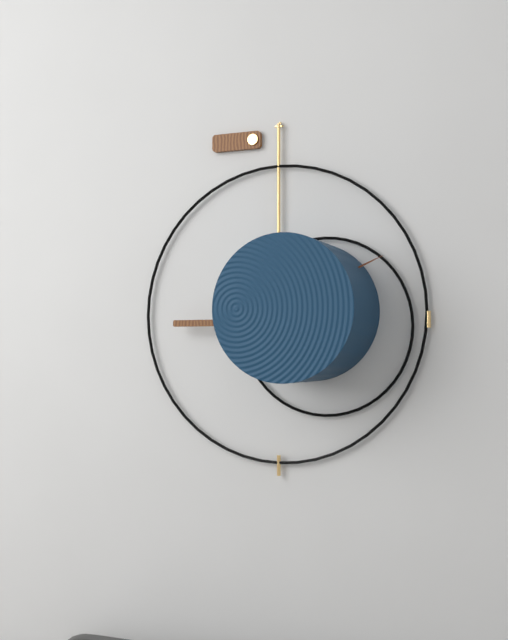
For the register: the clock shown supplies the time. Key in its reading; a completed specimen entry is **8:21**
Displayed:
**3:11**
